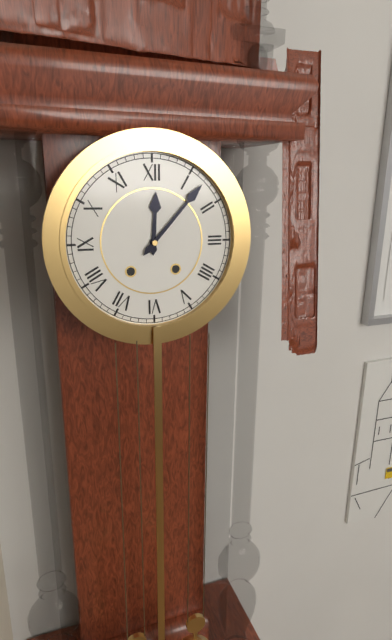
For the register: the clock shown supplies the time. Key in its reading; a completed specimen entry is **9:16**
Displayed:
**12:07**
